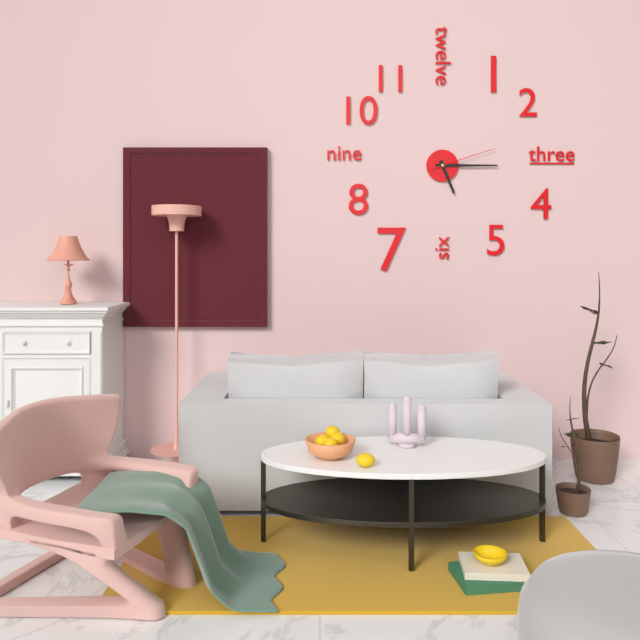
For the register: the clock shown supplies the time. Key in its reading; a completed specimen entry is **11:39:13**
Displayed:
**5:15:12**
